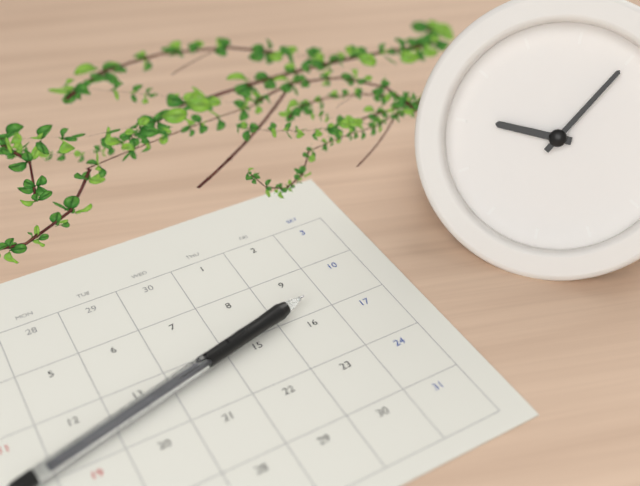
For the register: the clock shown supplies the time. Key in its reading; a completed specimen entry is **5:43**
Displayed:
**9:05**
